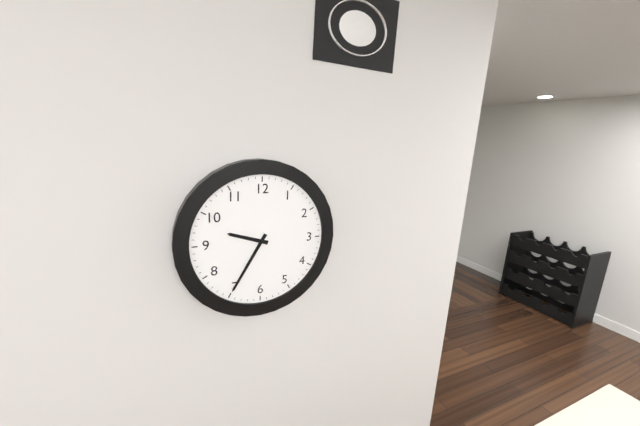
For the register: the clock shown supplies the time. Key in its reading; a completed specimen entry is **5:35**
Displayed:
**9:35**
